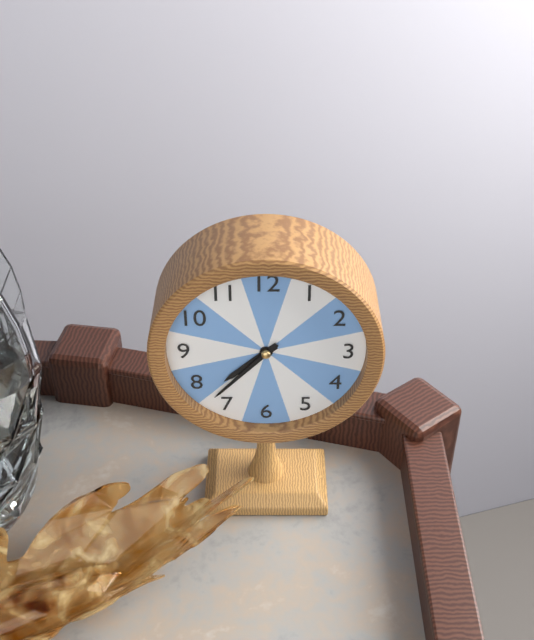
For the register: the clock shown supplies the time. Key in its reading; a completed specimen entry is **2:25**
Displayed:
**7:37**
